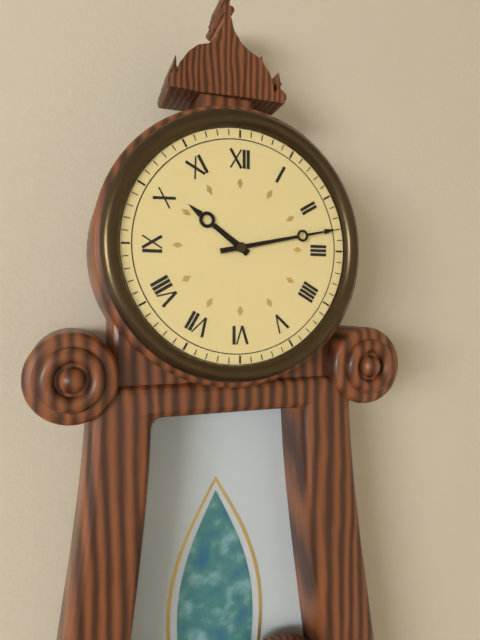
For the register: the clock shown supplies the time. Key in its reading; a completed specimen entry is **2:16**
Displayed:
**10:13**
